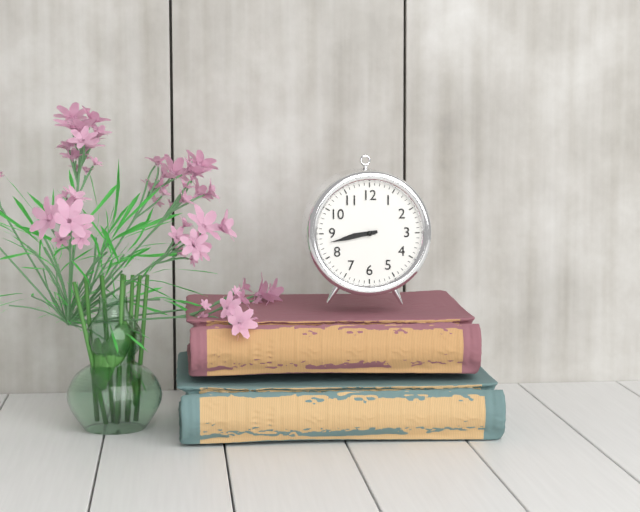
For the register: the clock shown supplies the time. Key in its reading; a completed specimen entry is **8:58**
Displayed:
**8:43**
